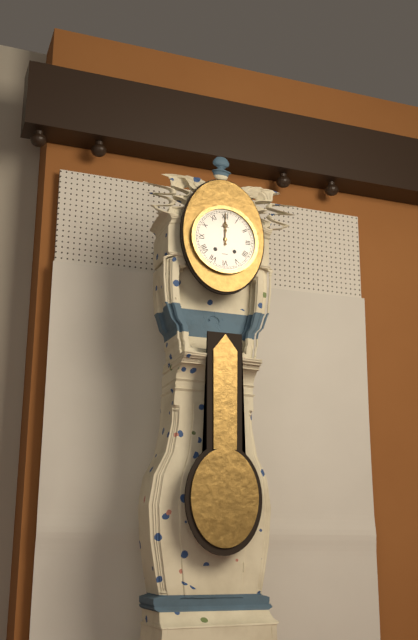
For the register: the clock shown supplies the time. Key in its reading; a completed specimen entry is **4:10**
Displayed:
**12:00**
